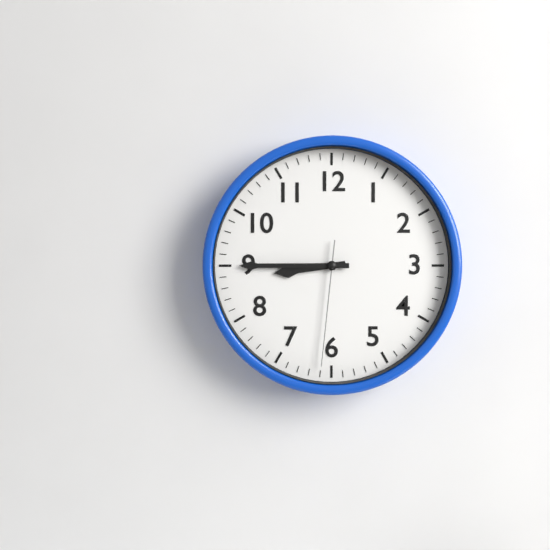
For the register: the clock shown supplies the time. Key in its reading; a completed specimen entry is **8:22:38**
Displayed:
**8:45:31**
